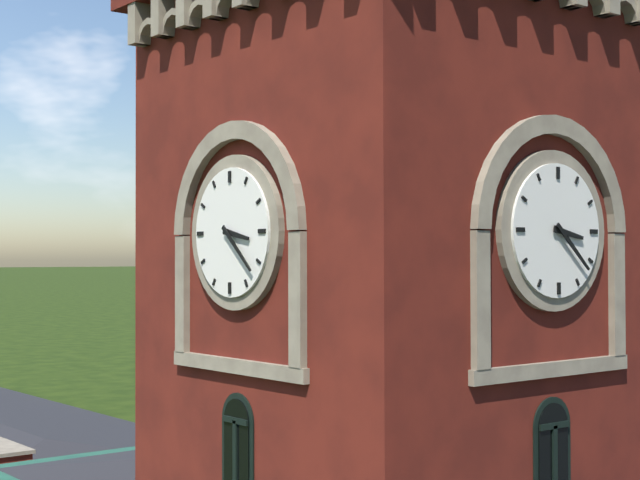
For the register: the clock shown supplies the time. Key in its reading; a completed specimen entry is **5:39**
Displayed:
**3:22**
